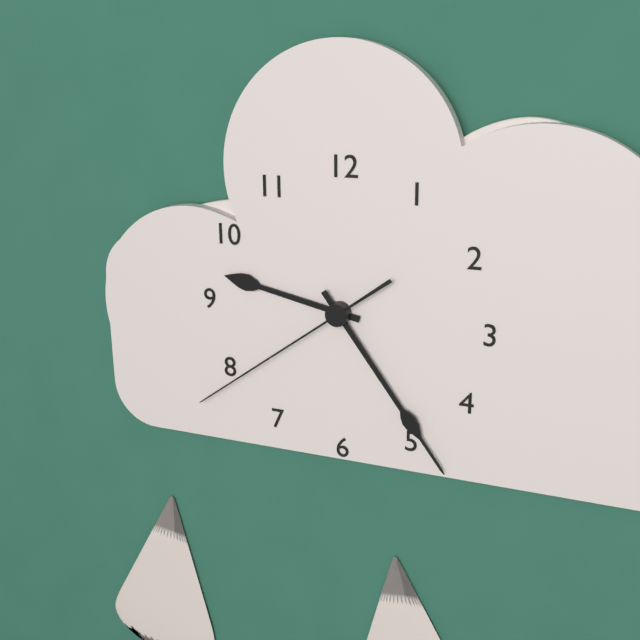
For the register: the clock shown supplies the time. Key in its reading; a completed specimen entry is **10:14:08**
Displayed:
**9:24:39**
